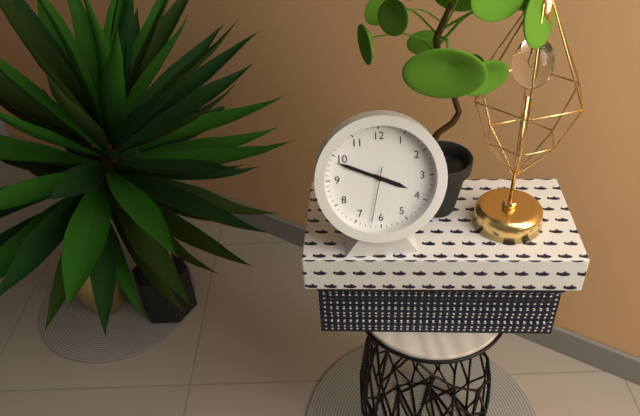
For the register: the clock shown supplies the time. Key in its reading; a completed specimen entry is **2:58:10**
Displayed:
**3:49:32**
